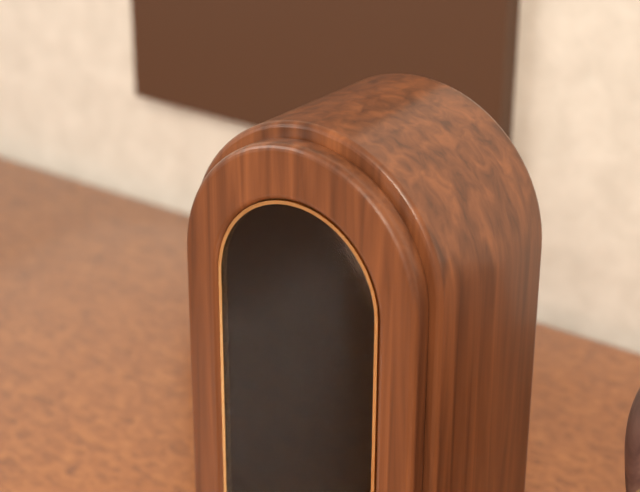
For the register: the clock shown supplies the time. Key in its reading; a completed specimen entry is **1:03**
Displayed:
**9:30**
